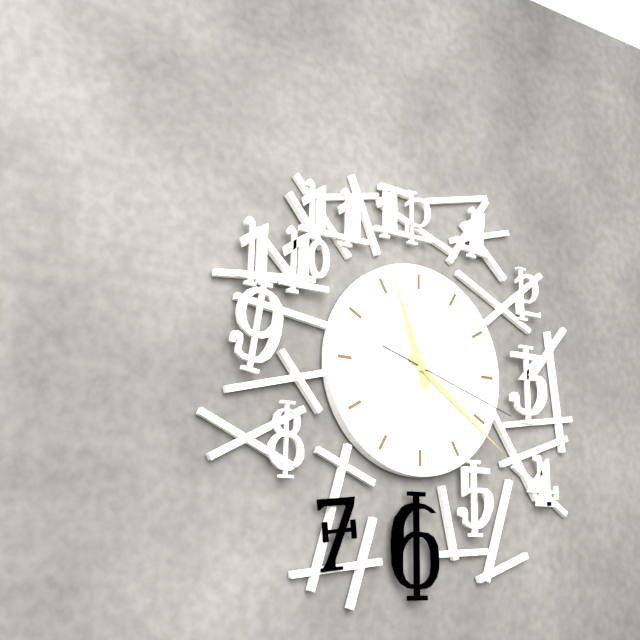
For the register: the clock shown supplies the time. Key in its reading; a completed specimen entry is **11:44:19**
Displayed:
**11:21:18**
